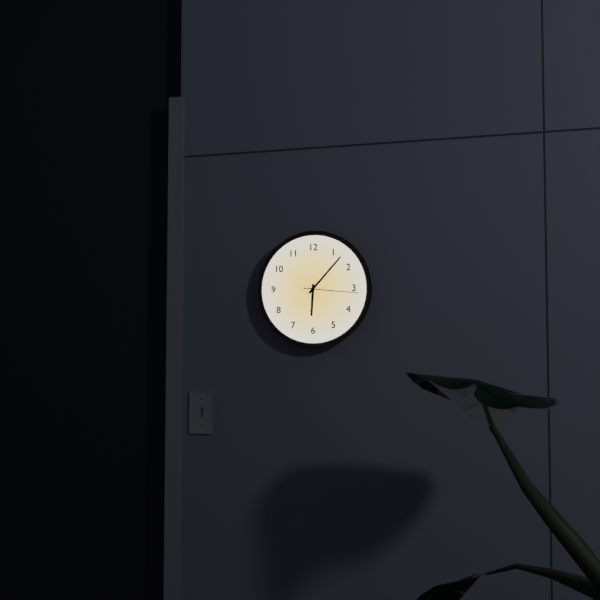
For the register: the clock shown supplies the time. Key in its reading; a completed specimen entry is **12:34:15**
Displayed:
**6:07:16**
